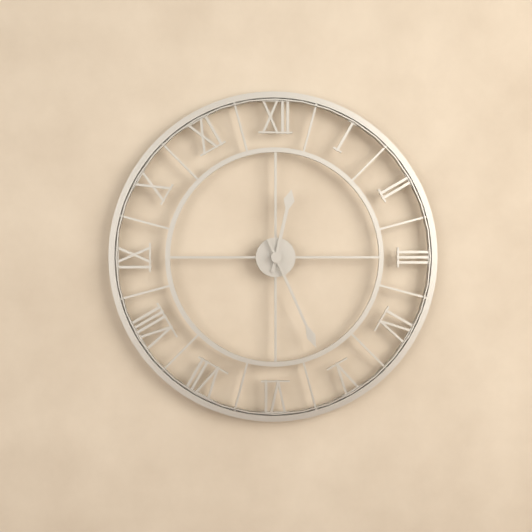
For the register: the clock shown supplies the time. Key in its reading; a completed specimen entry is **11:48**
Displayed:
**12:26**
